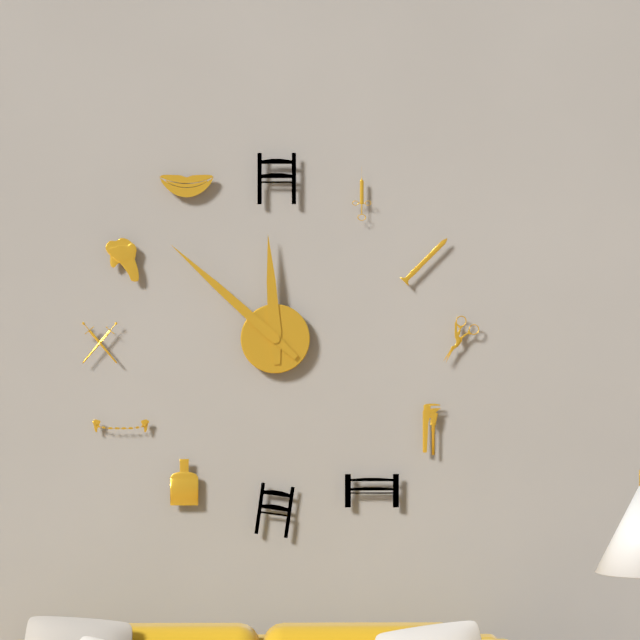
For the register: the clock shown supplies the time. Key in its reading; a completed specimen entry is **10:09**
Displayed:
**11:52**
